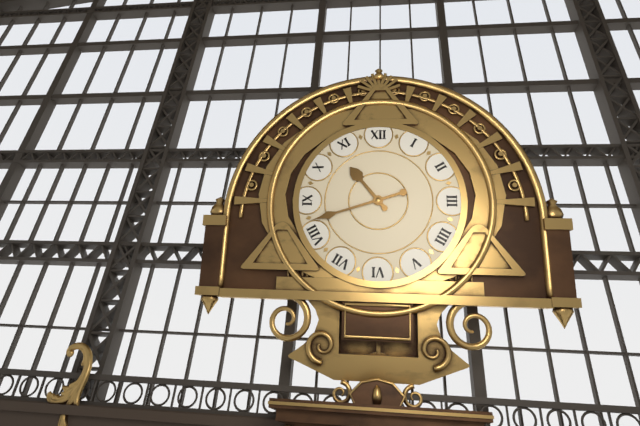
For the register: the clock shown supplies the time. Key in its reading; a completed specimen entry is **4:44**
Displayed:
**10:42**
